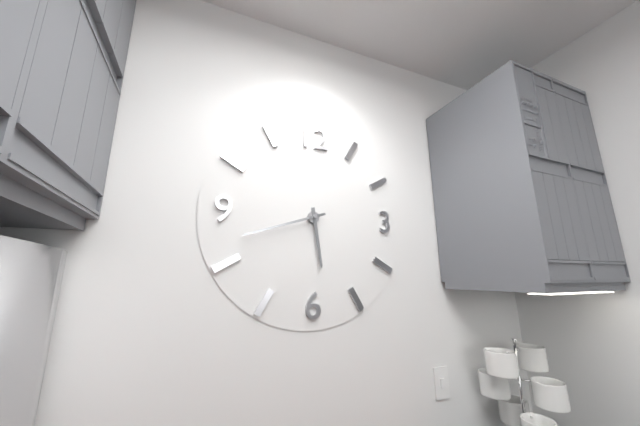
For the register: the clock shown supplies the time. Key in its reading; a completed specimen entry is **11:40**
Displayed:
**5:42**
